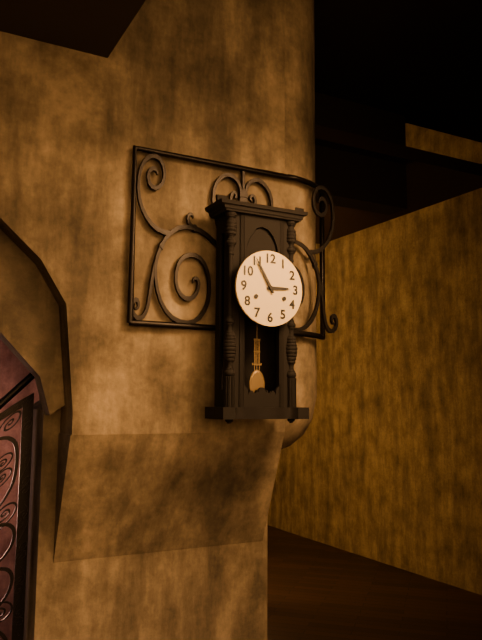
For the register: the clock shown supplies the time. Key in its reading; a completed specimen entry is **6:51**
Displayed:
**2:55**
